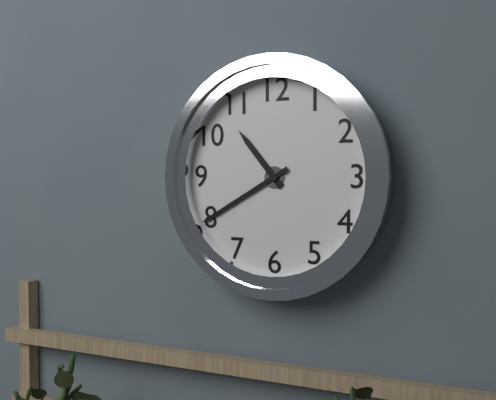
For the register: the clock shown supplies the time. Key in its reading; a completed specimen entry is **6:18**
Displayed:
**10:40**
